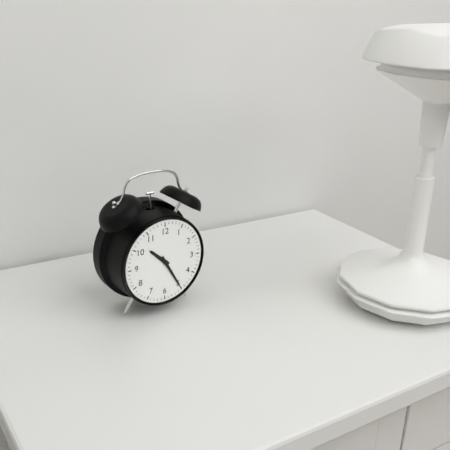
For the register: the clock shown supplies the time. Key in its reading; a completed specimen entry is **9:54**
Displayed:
**10:25**
